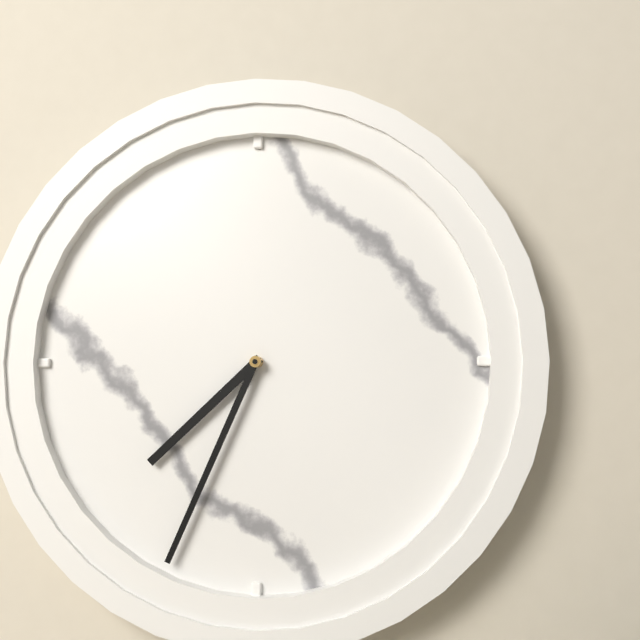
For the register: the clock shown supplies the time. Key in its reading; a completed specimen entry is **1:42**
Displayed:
**7:34**
